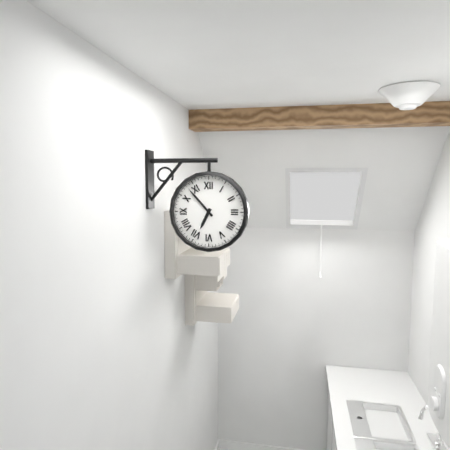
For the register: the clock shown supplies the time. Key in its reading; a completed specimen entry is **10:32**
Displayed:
**6:53**
